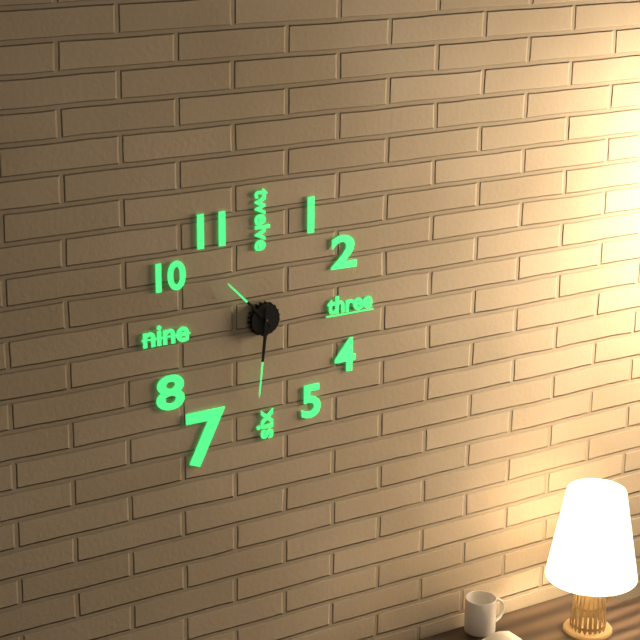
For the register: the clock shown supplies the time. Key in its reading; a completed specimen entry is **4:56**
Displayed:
**10:31**
